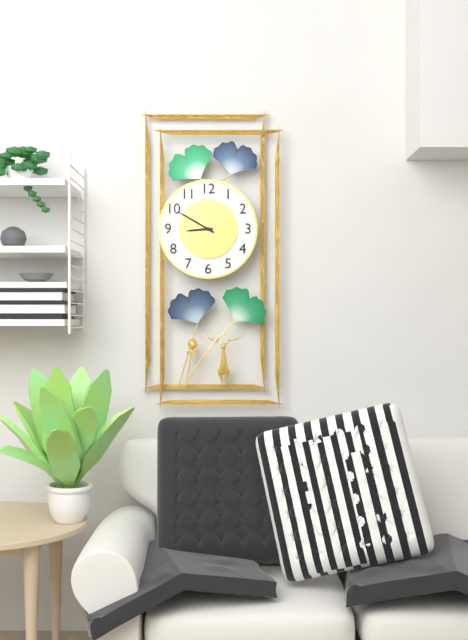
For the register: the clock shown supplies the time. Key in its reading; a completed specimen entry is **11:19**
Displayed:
**8:50**
